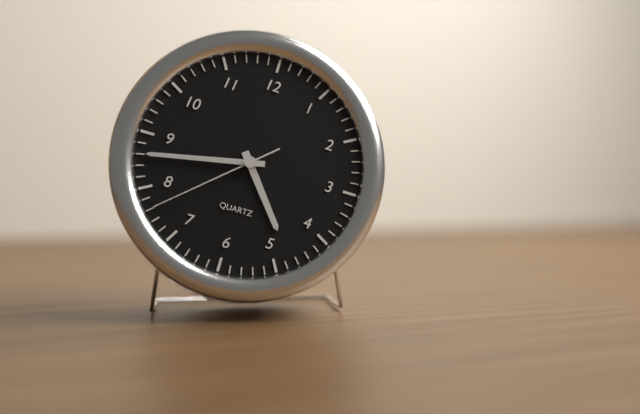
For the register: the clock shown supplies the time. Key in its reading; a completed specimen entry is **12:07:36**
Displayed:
**4:43:38**
